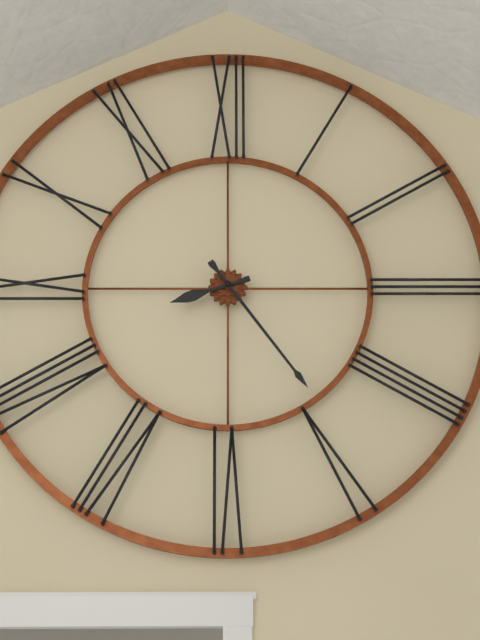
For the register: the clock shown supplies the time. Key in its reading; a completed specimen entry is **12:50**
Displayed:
**8:24**
